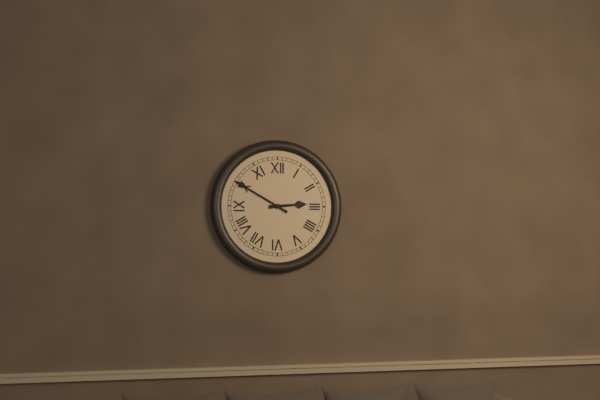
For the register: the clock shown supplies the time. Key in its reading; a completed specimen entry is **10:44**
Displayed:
**2:50**
